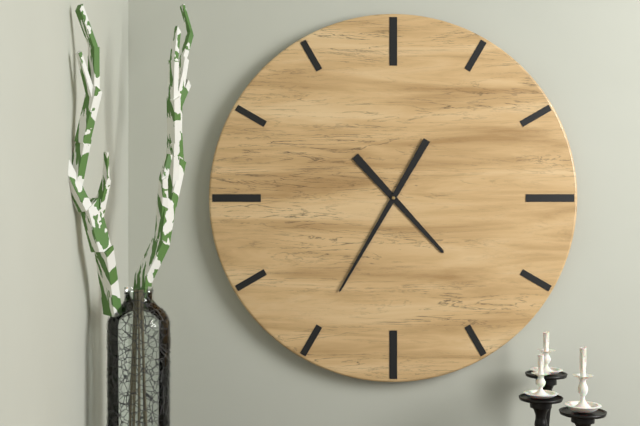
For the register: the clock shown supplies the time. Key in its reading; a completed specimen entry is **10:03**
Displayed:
**4:35**
